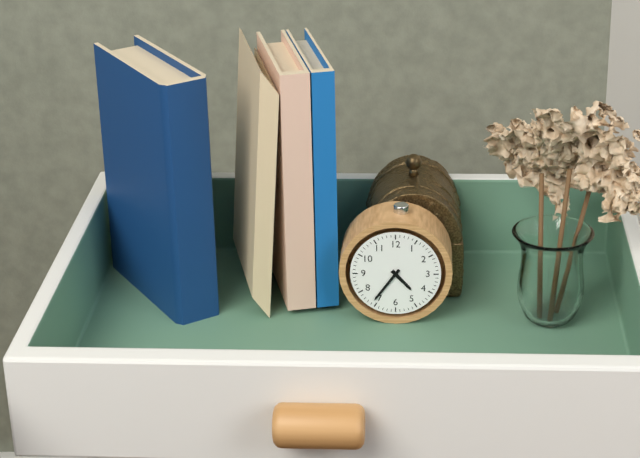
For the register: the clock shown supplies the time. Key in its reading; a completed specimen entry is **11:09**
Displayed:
**4:36**
